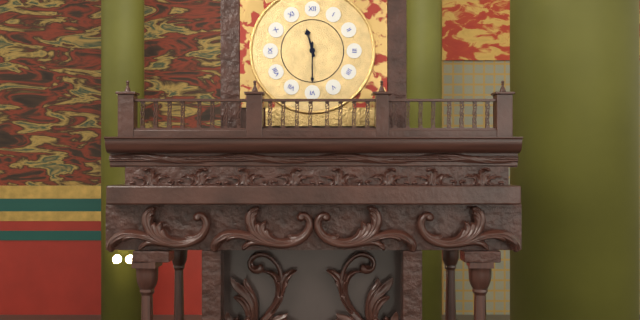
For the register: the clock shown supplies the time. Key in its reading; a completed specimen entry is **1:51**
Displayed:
**11:30**
